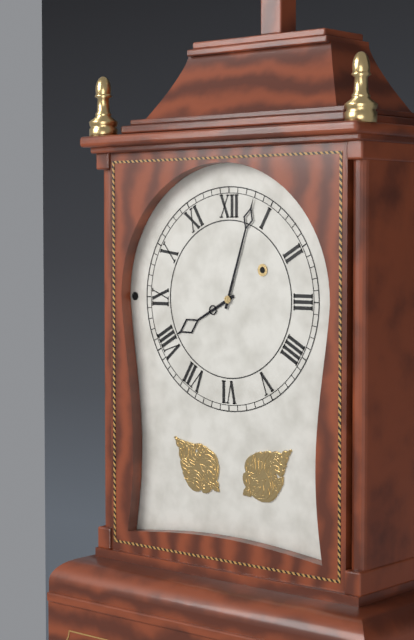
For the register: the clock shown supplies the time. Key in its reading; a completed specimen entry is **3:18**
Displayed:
**8:03**
